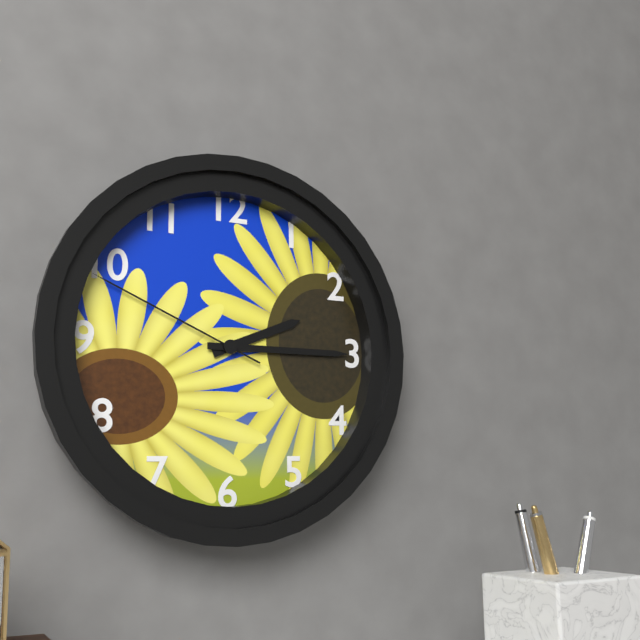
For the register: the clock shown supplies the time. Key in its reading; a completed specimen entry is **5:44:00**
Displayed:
**2:15:49**
